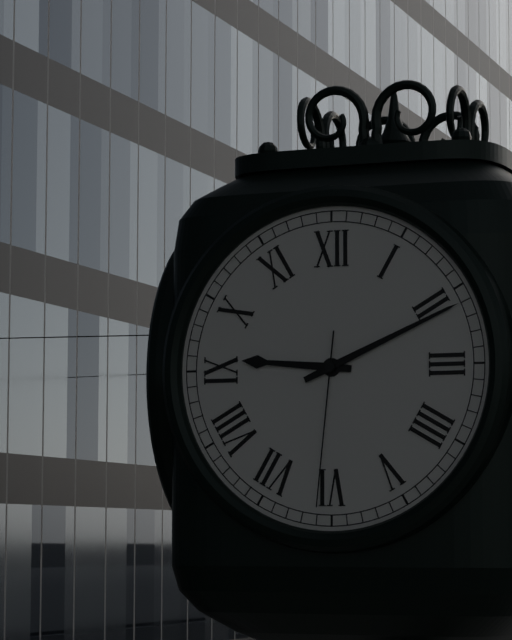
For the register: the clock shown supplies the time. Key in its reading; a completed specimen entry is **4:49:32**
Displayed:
**9:11:31**
